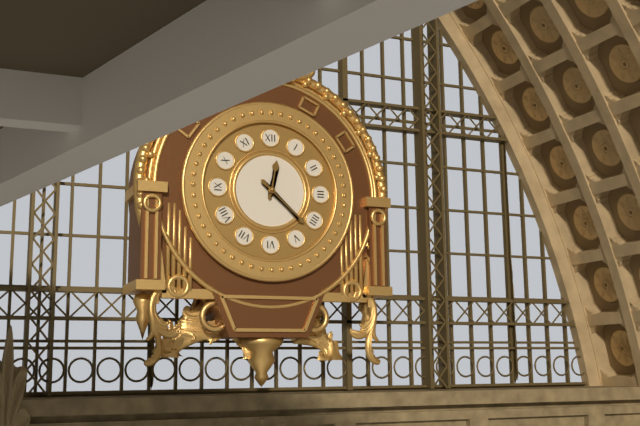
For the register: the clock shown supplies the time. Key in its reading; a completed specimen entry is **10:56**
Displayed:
**12:22**
